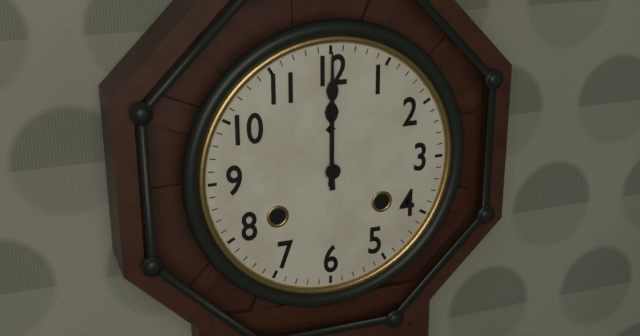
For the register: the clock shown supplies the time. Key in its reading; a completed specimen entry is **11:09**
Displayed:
**12:00**
